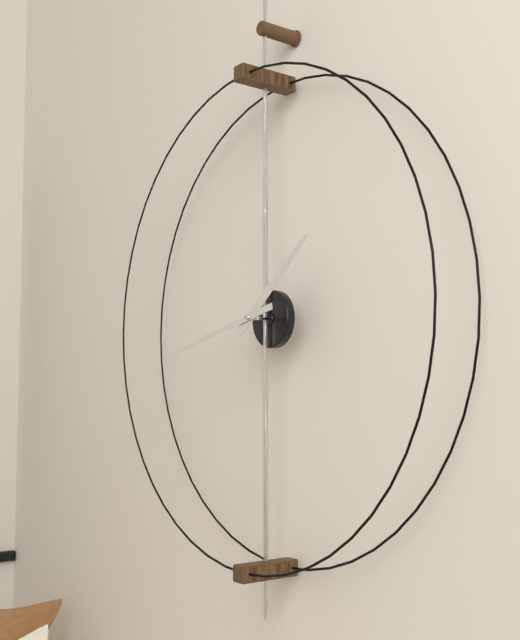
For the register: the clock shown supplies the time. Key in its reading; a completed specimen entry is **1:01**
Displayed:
**1:43**
